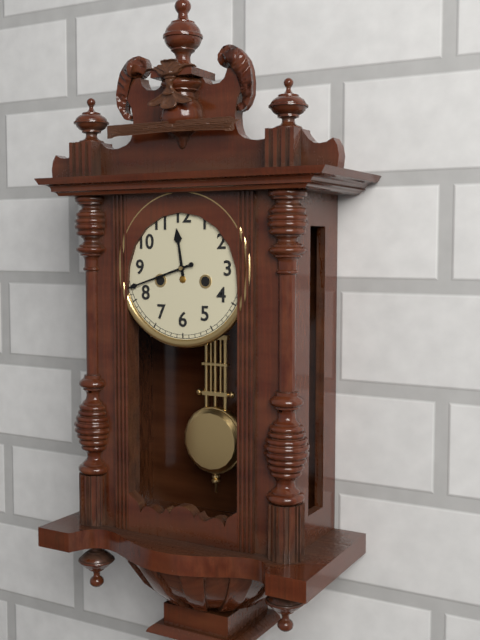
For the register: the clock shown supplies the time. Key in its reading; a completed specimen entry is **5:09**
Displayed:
**11:42**
